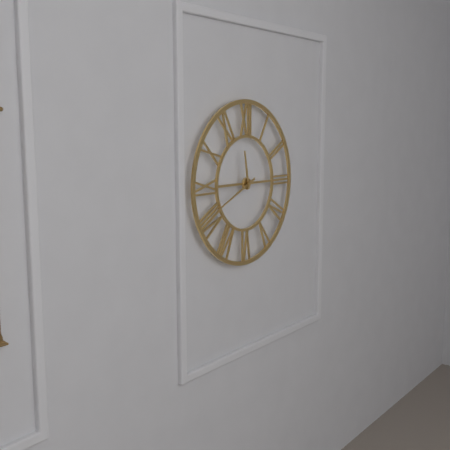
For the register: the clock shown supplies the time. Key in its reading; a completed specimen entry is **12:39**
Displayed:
**11:41**
